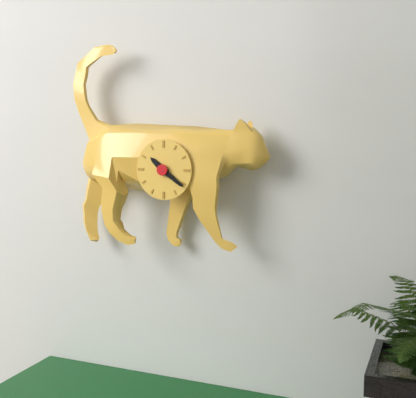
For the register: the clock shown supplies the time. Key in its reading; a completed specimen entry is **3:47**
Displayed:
**10:21**
